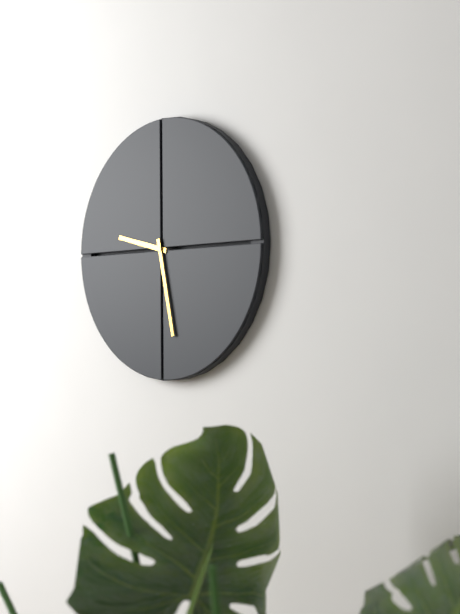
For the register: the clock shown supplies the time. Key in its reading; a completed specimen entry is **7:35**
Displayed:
**9:28**
